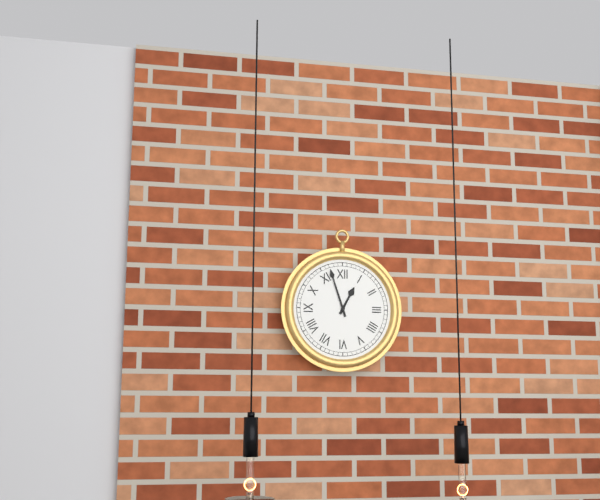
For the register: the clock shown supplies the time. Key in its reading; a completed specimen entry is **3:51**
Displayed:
**12:57**
